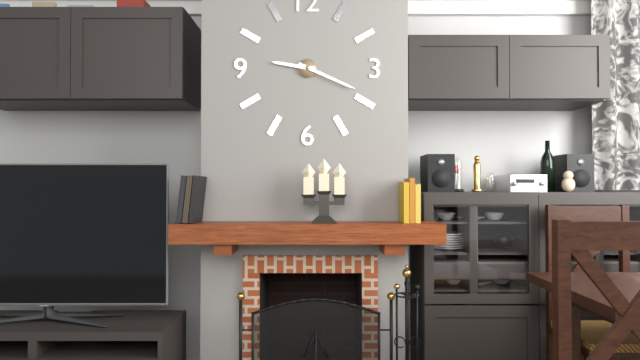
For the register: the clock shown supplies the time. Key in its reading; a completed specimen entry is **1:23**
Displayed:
**9:19**
